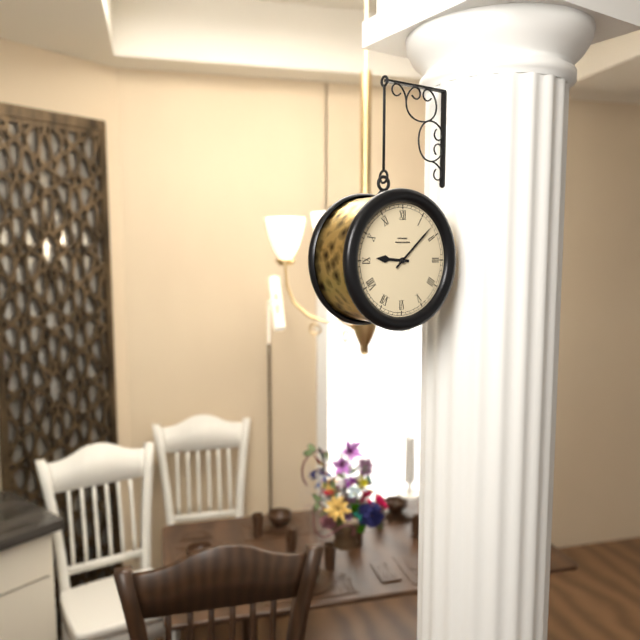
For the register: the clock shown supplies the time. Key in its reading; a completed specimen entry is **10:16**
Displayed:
**9:08**
